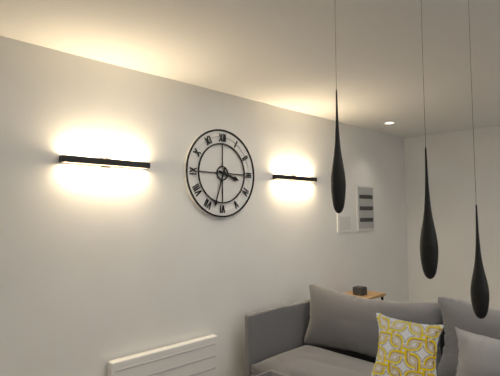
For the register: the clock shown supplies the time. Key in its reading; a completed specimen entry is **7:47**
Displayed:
**3:33**
